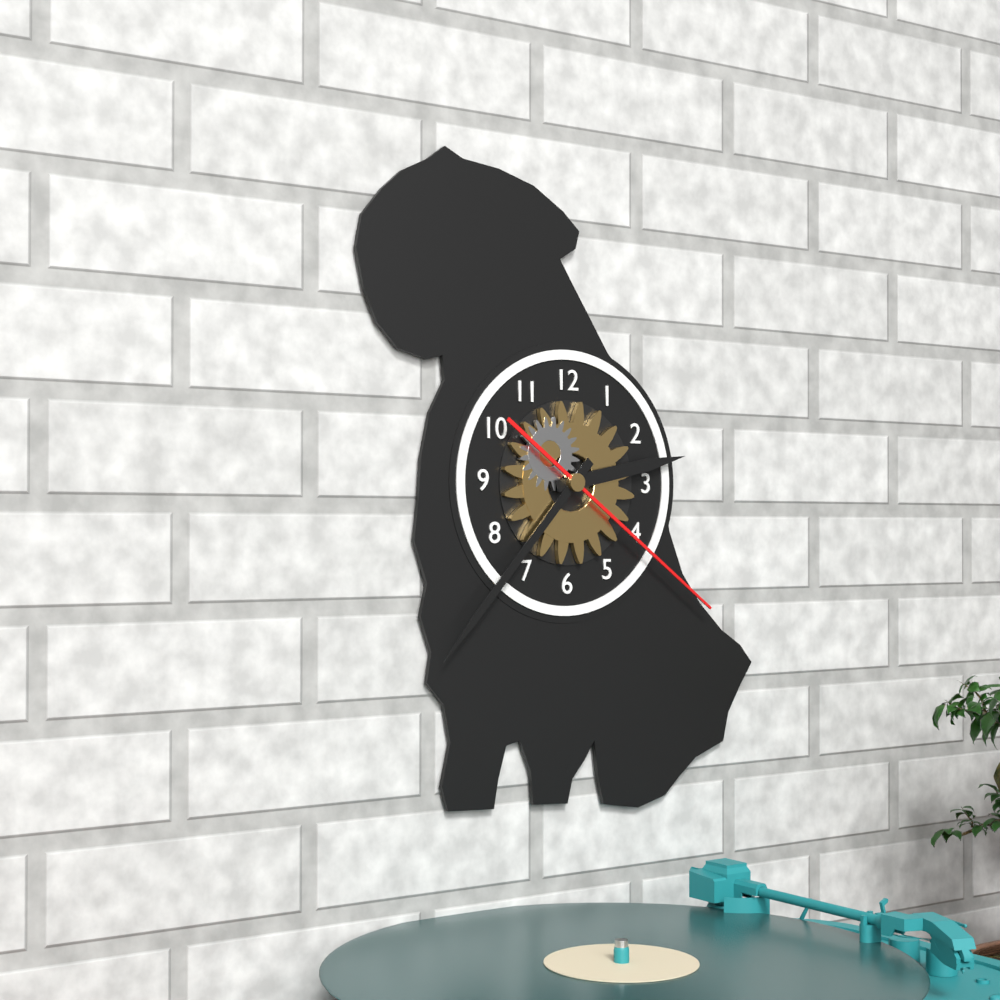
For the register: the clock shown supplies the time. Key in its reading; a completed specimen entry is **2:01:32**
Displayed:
**2:37:21**
